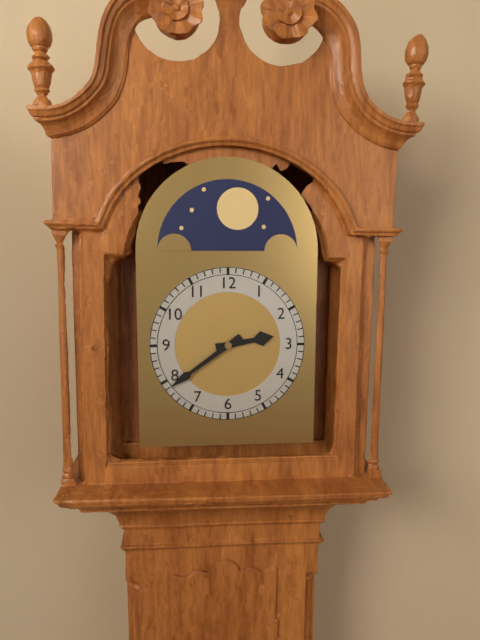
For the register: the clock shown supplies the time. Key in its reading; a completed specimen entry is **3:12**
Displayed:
**2:39**
